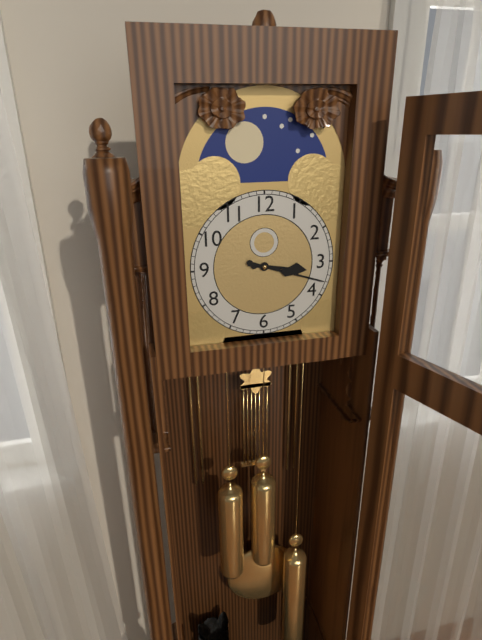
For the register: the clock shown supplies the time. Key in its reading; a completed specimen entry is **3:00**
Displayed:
**3:18**
